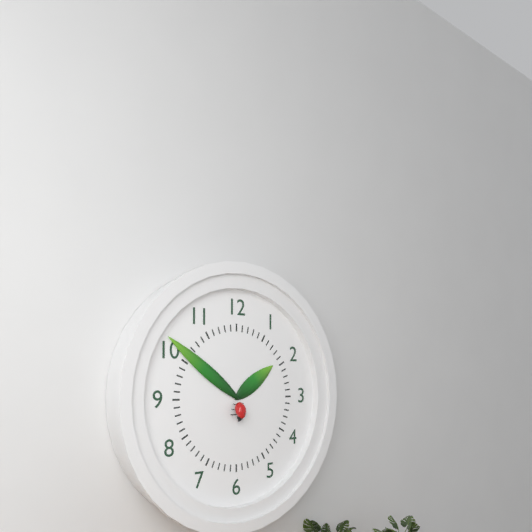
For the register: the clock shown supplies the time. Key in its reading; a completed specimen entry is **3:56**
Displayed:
**1:51**
